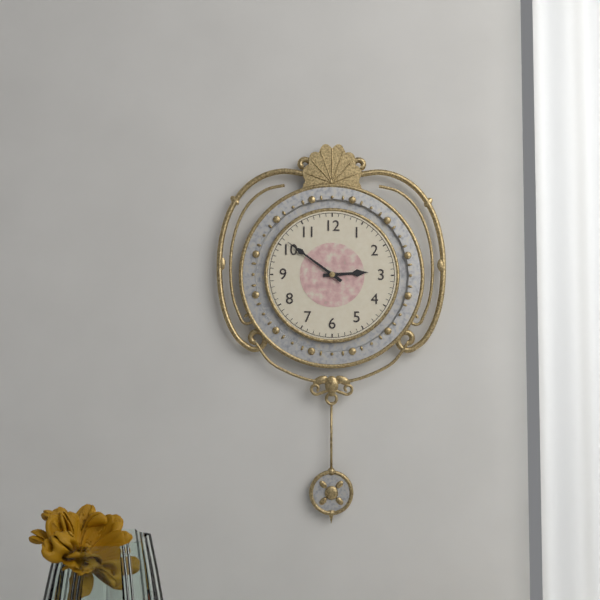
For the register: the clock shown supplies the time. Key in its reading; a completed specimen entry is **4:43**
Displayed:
**2:51**
